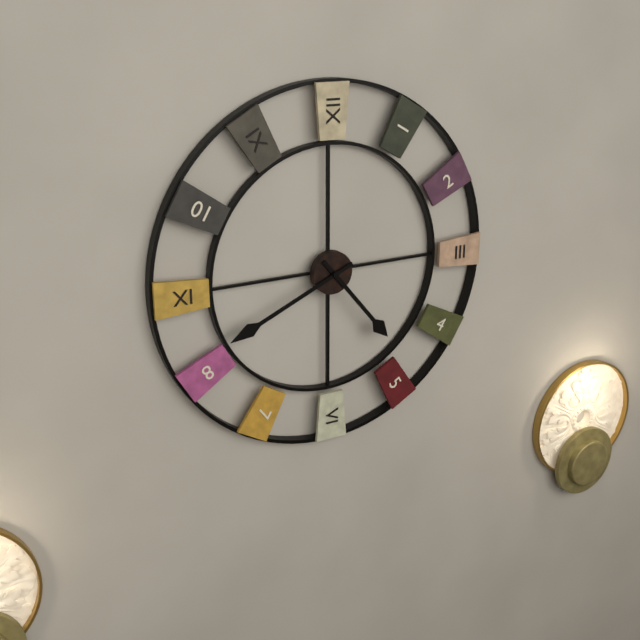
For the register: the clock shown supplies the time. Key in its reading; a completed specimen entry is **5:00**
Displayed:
**4:41**
